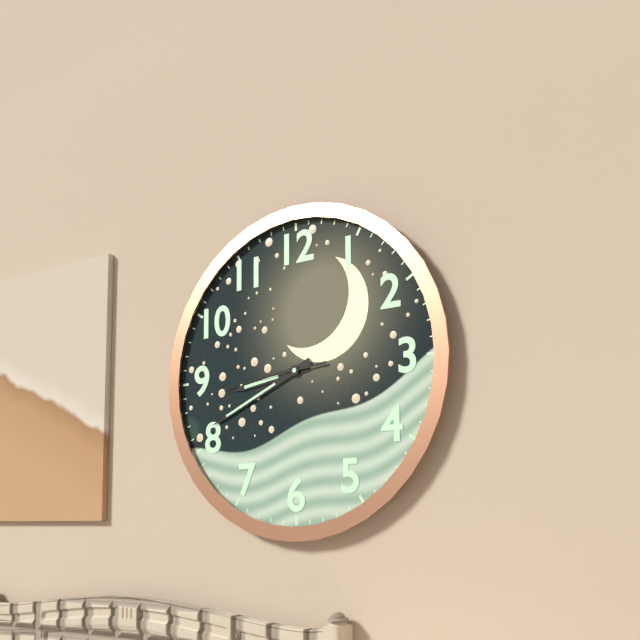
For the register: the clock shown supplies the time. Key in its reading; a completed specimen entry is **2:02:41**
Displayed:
**8:41:44**
